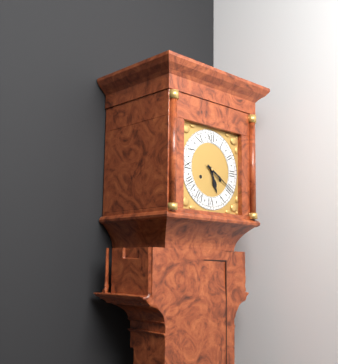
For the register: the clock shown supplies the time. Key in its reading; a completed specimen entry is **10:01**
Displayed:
**5:20**
